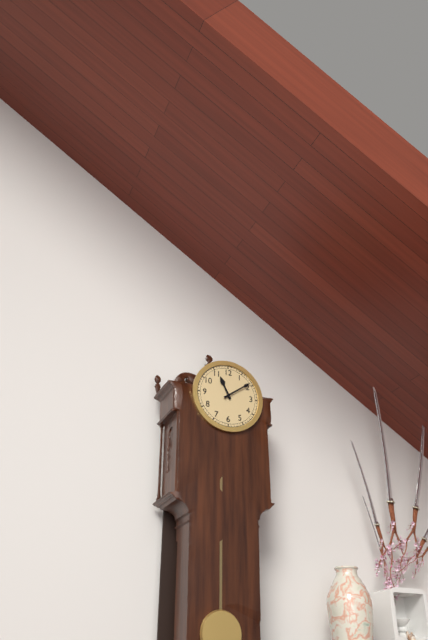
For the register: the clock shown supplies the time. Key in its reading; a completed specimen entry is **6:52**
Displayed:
**11:09**
